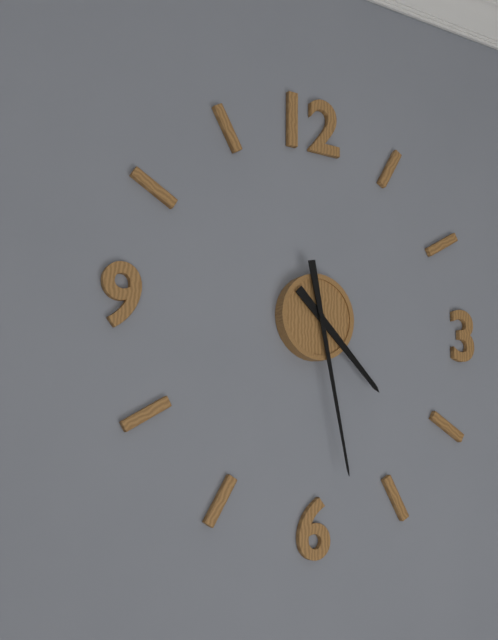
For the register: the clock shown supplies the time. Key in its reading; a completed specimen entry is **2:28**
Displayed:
**4:28**
